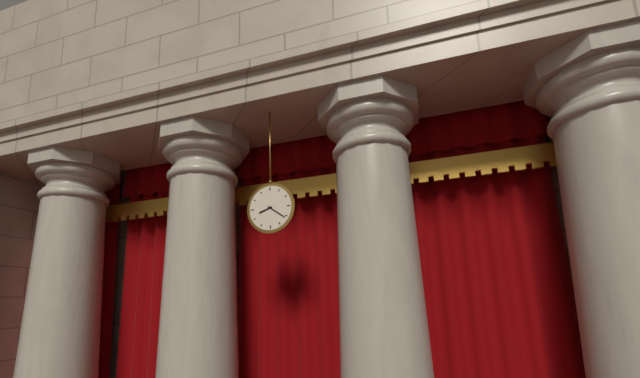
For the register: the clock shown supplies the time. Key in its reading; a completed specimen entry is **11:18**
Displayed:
**8:21**
